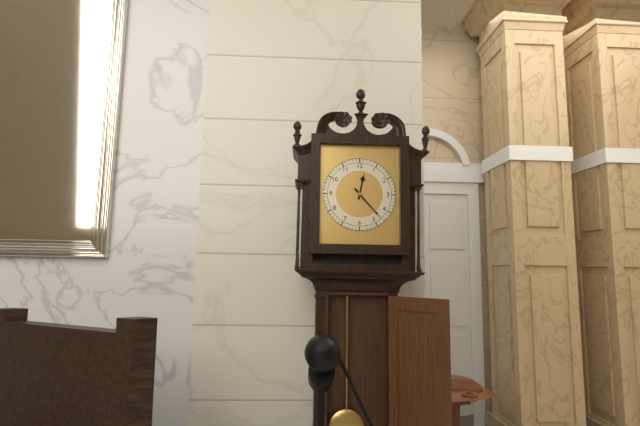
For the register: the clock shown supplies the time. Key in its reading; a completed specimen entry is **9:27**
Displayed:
**12:23**
